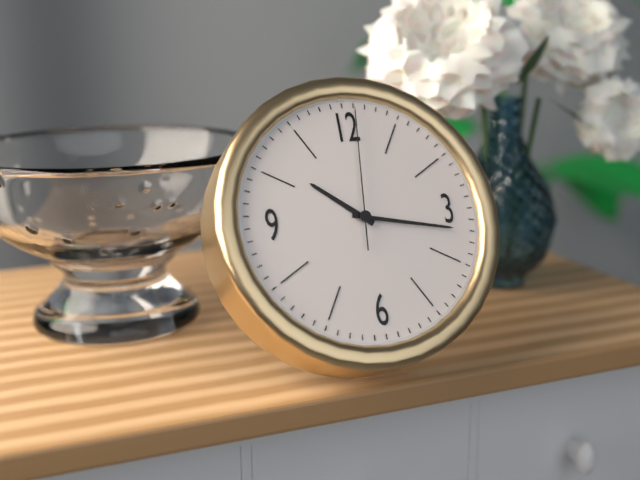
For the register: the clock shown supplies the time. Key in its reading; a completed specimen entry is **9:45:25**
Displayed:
**10:17:01**
